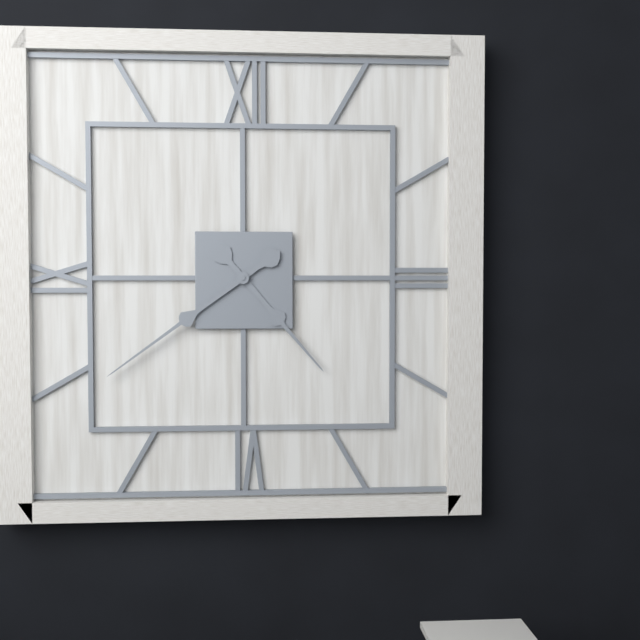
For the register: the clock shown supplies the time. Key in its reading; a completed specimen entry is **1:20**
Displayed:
**4:39**
